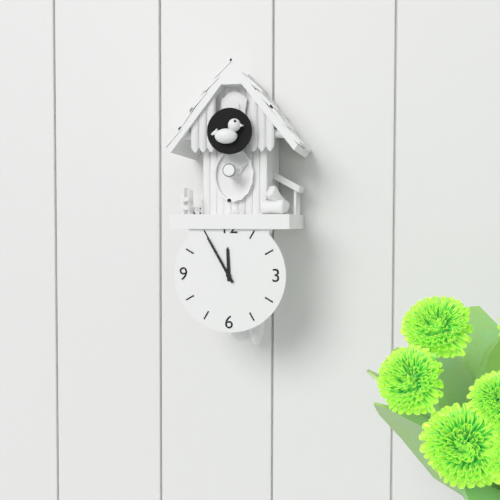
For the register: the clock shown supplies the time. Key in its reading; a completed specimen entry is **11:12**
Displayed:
**11:55**
